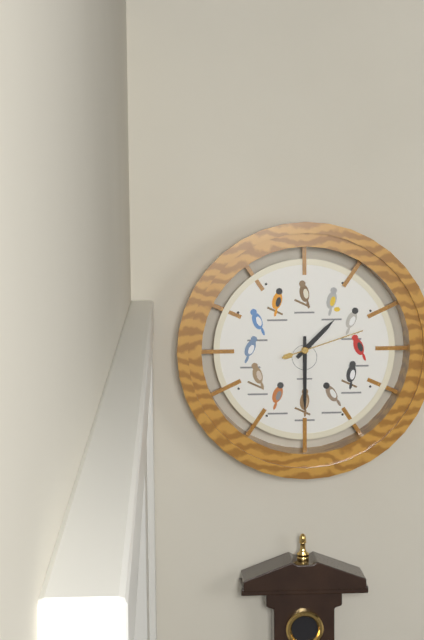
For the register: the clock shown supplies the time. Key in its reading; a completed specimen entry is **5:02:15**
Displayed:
**1:30:12**
